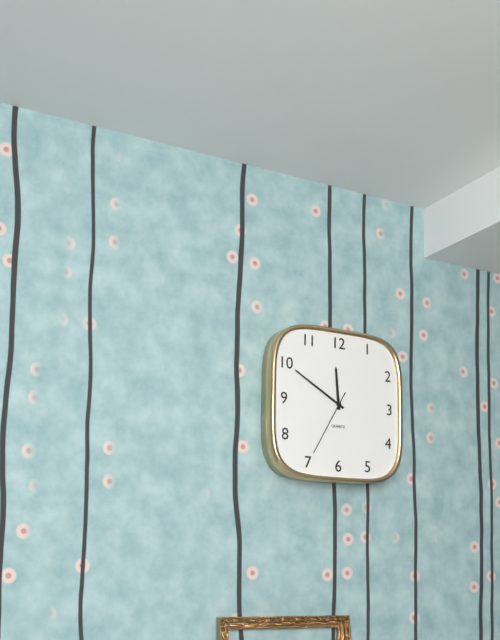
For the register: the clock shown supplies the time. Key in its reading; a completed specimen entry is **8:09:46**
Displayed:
**11:50:35**
